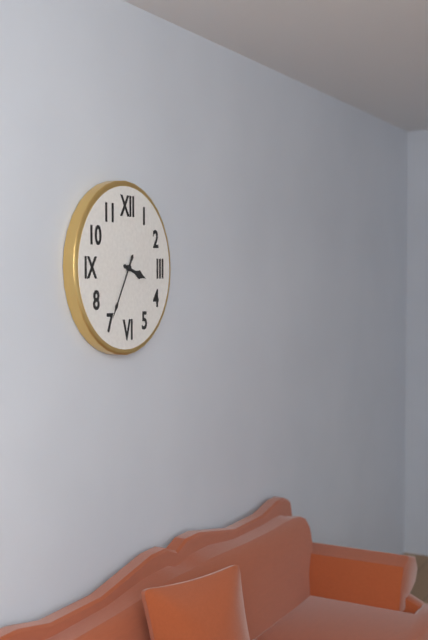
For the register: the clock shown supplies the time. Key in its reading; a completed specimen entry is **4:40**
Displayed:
**3:35**
